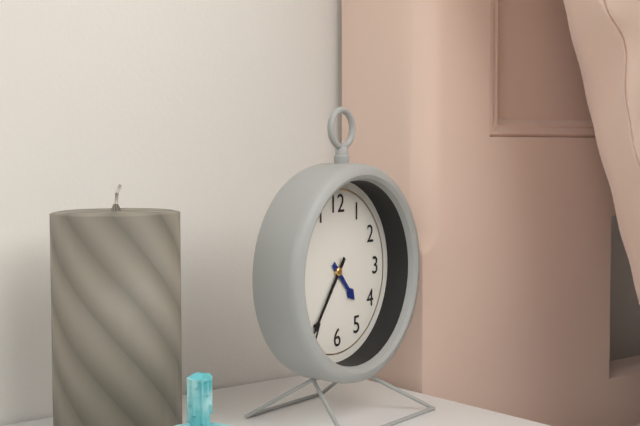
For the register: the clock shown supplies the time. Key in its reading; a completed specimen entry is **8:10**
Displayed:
**4:36**
